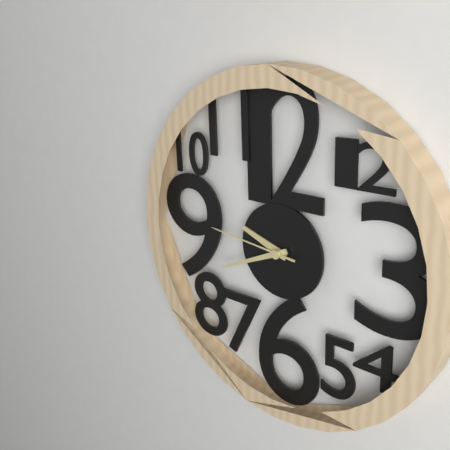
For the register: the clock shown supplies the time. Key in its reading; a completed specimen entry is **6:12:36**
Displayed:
**9:41:46**
